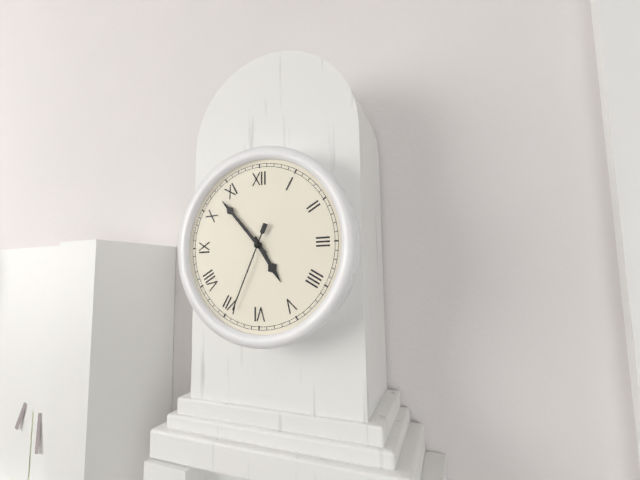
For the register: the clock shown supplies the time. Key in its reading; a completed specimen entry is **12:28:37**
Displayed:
**4:53:34**
